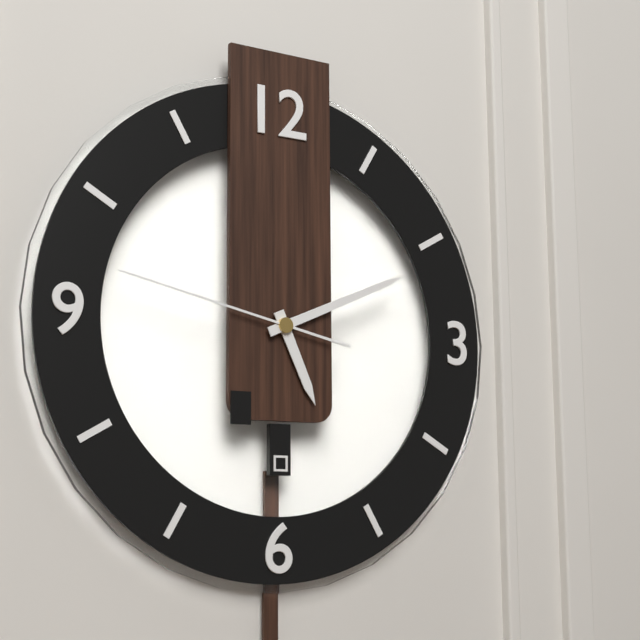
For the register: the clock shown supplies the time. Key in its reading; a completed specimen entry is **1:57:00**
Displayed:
**5:11:47**
